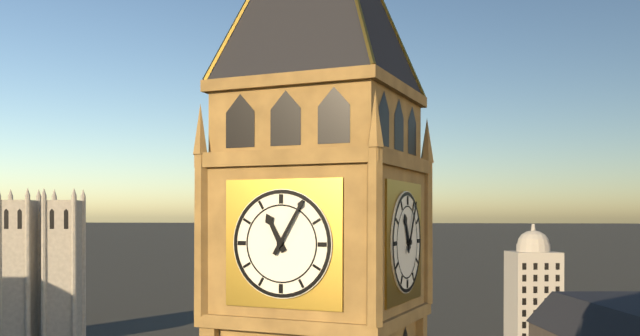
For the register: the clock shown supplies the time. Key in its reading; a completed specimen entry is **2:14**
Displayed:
**11:05**
